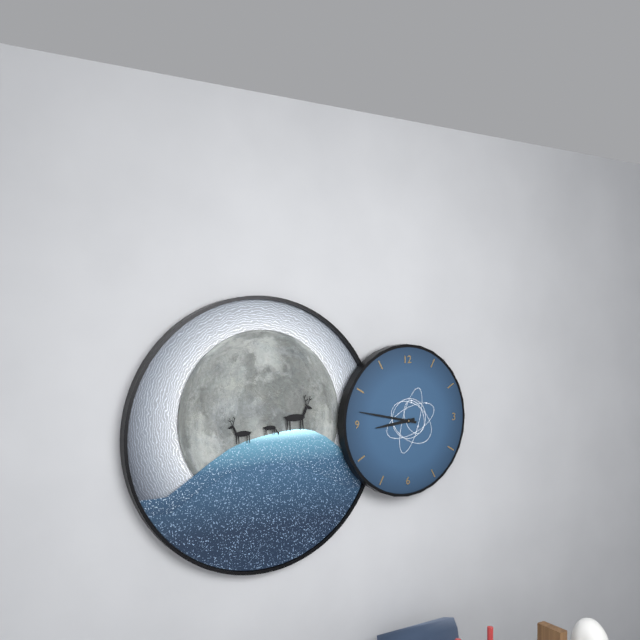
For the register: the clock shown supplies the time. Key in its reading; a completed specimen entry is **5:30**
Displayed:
**8:47**
